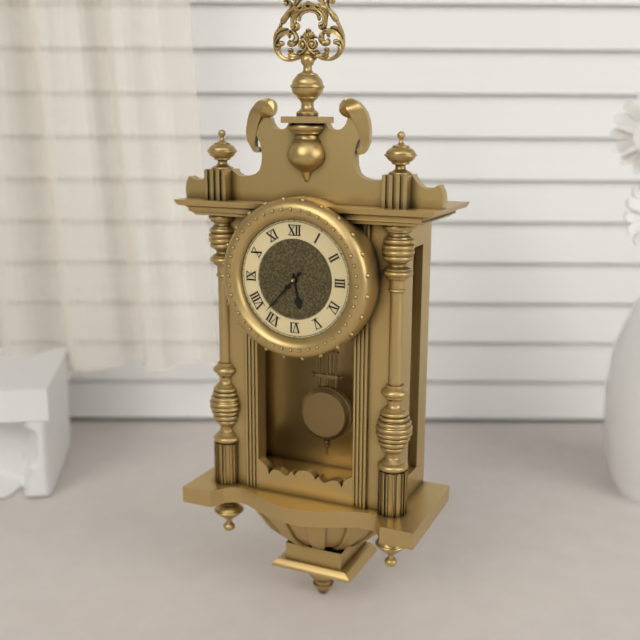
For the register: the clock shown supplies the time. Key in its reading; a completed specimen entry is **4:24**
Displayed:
**5:37**
